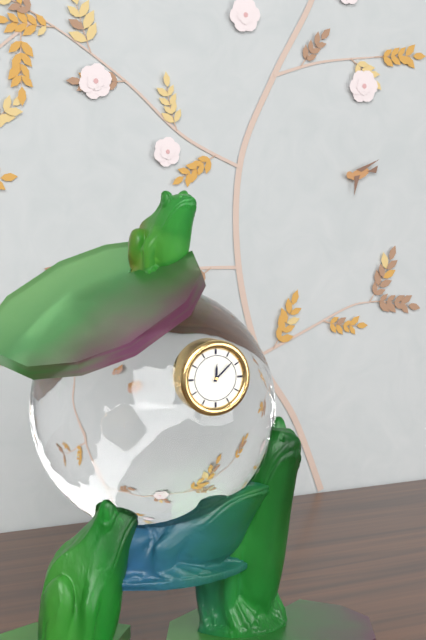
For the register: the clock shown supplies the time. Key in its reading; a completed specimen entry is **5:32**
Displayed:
**12:08**
